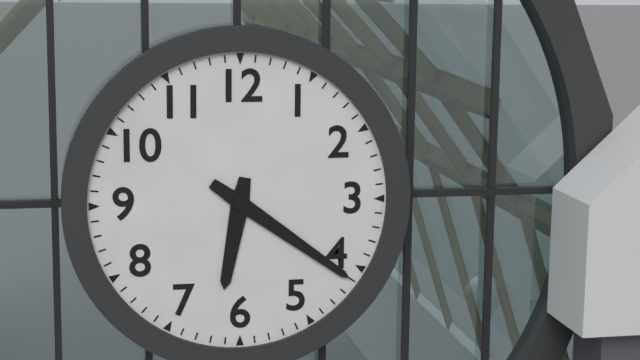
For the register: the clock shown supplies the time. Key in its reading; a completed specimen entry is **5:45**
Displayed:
**6:21**
